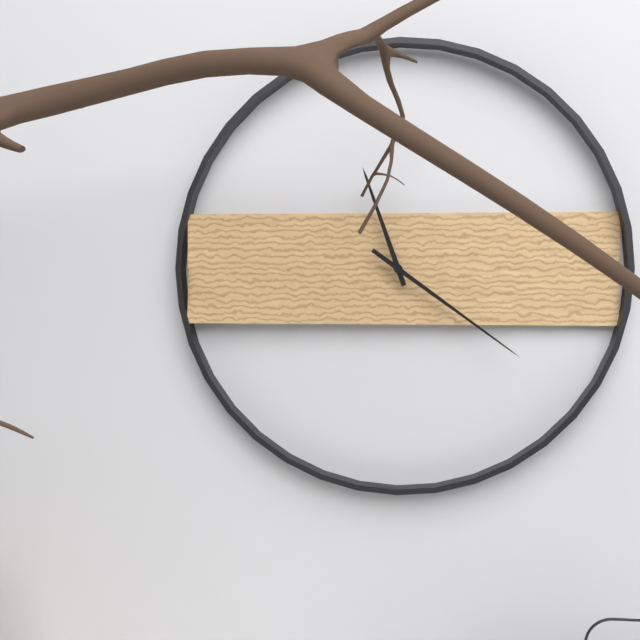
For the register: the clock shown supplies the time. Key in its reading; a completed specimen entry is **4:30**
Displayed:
**11:21**
